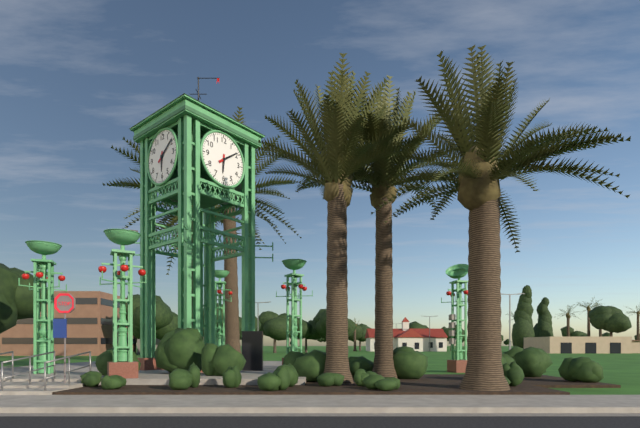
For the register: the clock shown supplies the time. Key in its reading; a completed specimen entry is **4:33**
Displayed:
**6:09**
